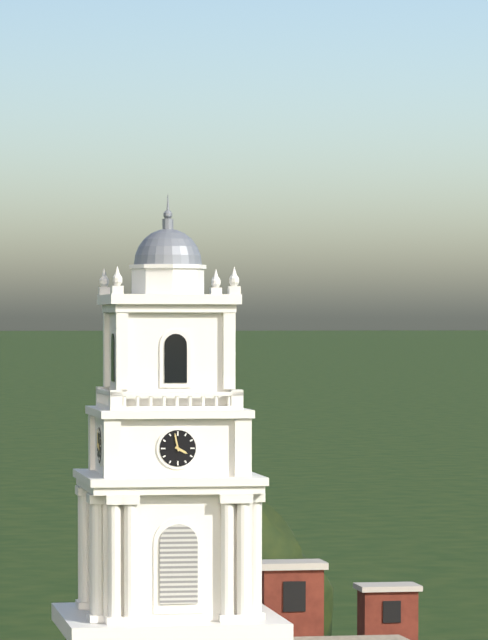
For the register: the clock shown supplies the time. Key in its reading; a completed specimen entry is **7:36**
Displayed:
**3:58**
